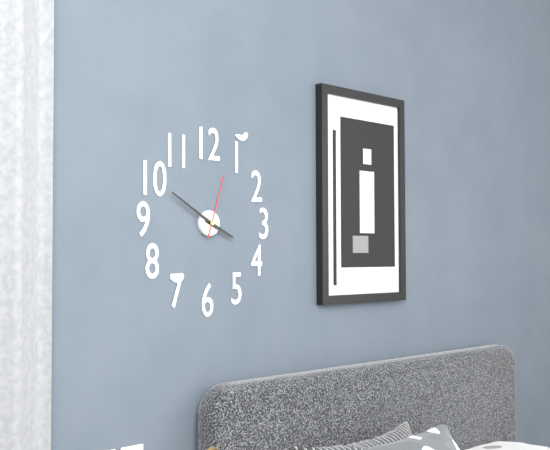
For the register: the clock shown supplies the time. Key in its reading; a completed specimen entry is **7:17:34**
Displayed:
**3:50:03**
